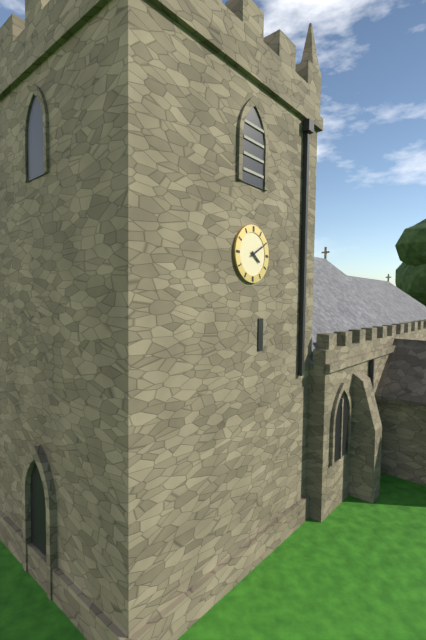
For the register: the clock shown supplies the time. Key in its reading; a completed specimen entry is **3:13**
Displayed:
**4:10**
